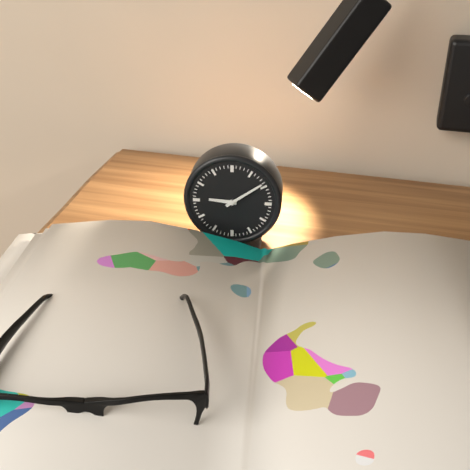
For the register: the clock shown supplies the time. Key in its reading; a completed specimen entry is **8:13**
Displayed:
**9:09**
